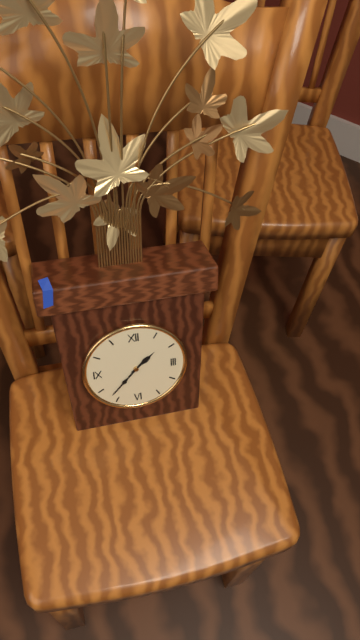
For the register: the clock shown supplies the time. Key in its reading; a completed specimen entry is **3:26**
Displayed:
**1:37**
